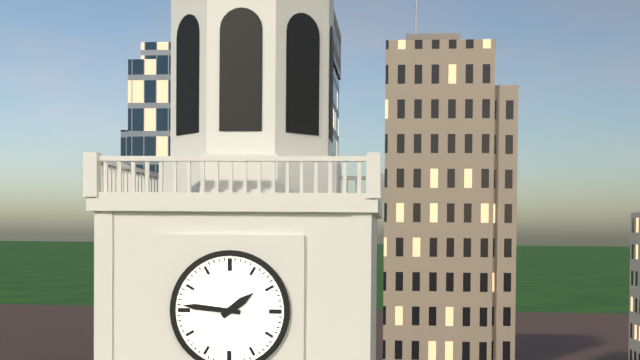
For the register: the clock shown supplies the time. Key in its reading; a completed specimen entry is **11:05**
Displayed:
**1:46**
